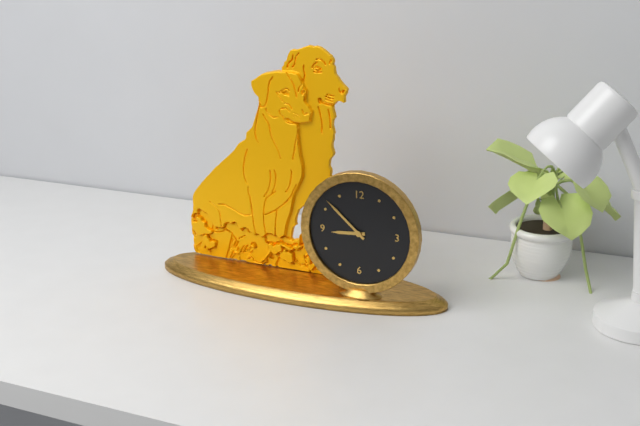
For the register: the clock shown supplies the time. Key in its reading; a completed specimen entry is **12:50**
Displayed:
**8:52**
